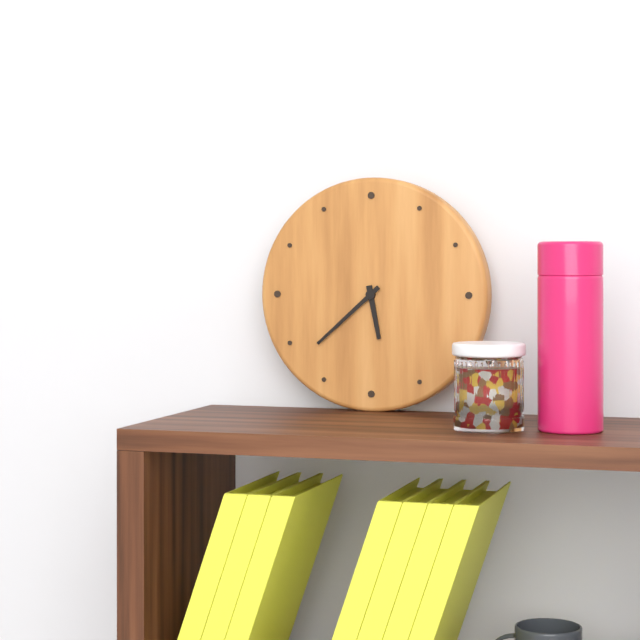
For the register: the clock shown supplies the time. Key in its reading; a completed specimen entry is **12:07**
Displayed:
**5:38**
